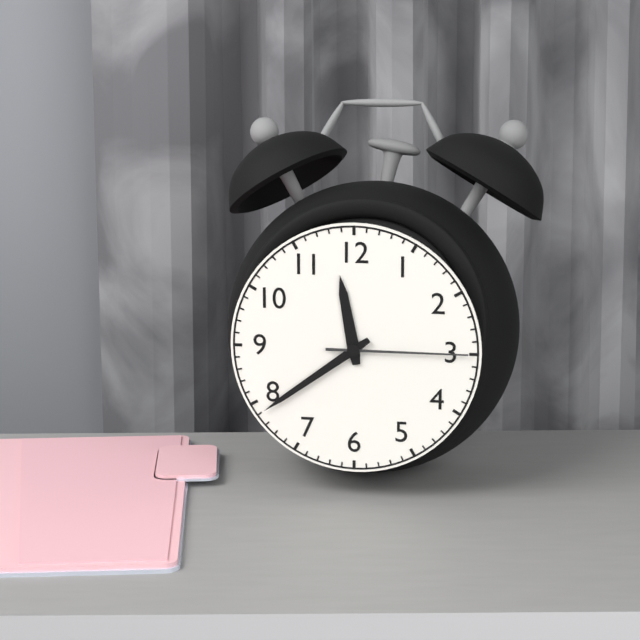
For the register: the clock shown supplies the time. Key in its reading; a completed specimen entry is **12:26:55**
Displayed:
**11:39:15**
